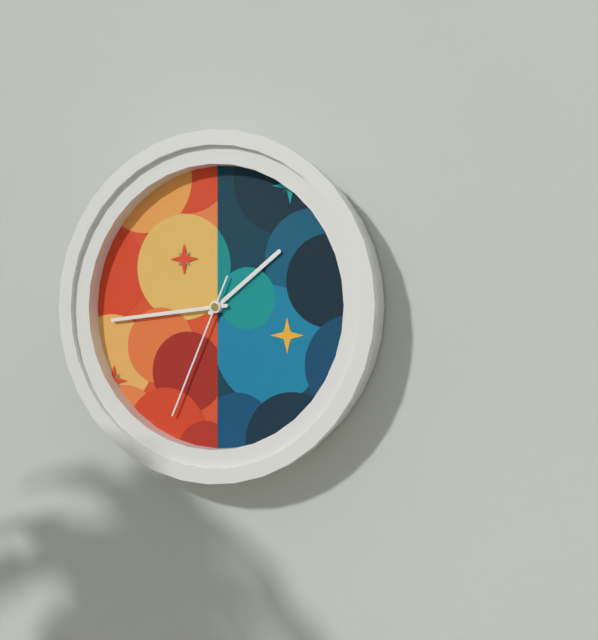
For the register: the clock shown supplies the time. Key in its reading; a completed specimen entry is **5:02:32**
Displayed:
**1:44:34**
